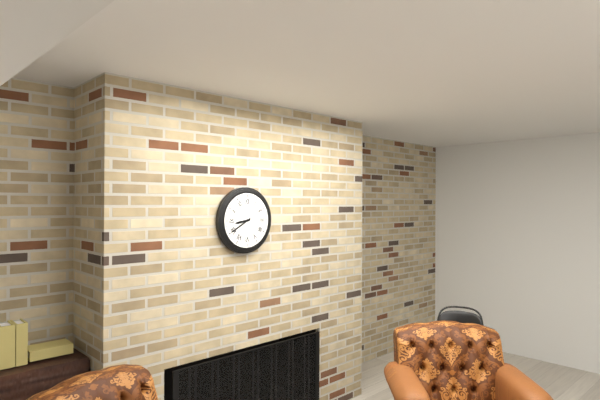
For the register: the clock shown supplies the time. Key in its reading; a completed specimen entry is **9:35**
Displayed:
**8:40**
